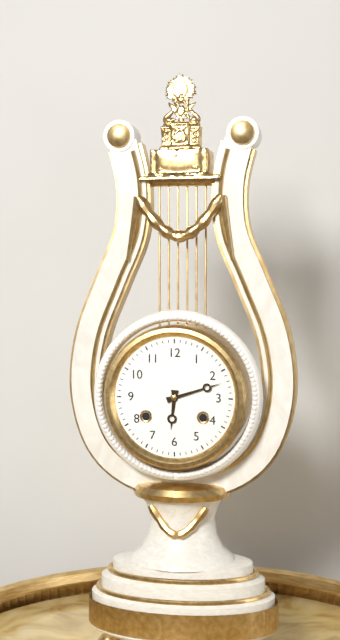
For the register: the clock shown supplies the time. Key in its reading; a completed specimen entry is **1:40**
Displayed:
**6:12**
